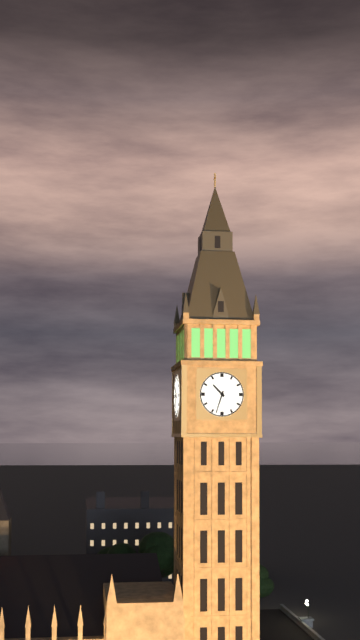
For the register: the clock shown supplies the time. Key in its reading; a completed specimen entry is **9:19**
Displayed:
**10:33**
